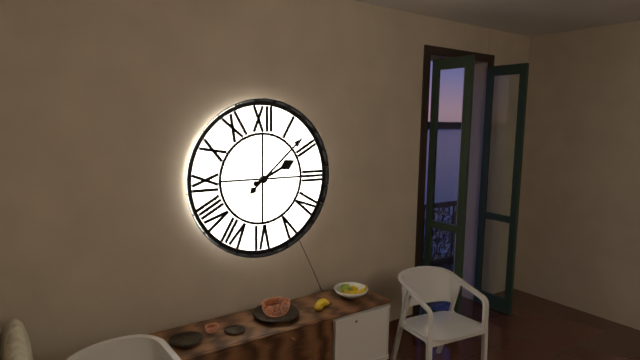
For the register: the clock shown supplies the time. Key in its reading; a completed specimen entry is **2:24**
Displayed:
**2:08**
